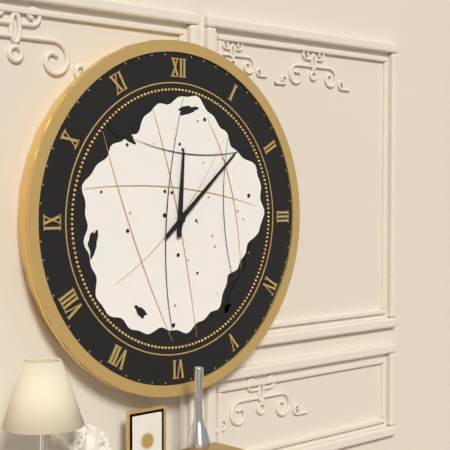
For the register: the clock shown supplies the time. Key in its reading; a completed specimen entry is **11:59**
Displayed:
**12:08**
